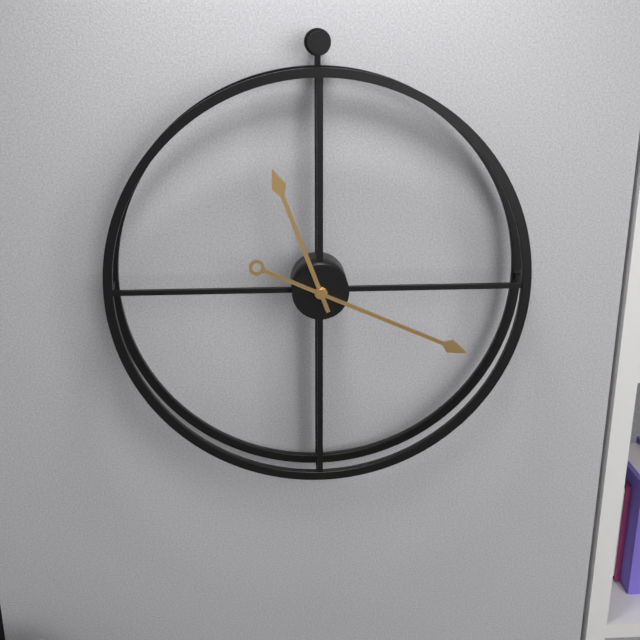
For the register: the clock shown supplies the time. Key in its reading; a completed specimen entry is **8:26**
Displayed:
**11:19**
